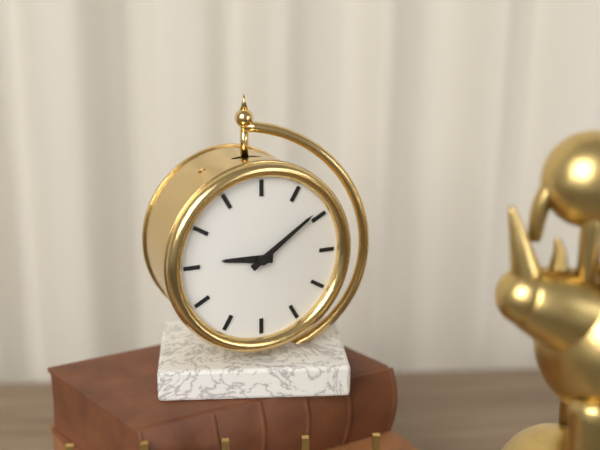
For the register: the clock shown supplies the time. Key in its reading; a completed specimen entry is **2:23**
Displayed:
**9:09**
